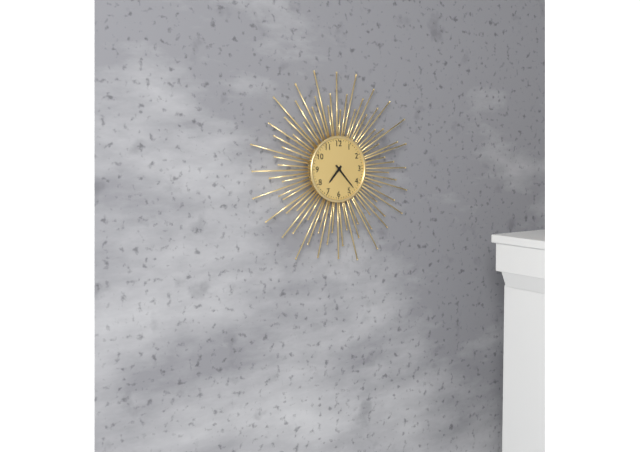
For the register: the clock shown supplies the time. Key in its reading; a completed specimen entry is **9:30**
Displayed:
**7:23**
